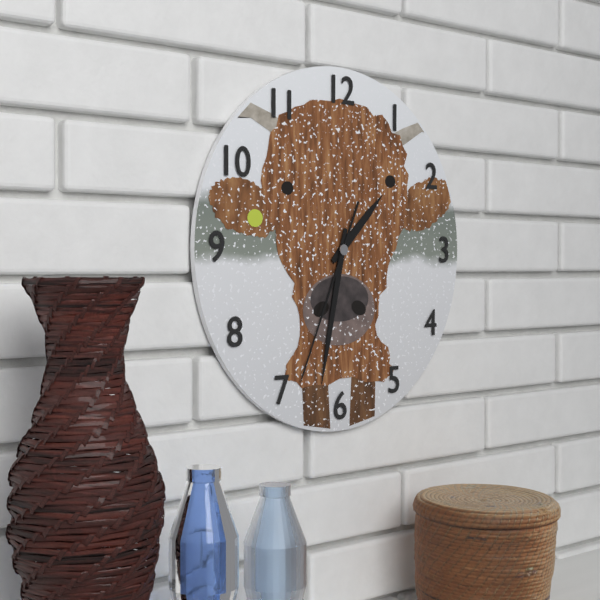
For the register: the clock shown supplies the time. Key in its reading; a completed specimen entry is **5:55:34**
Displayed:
**1:32:34**
